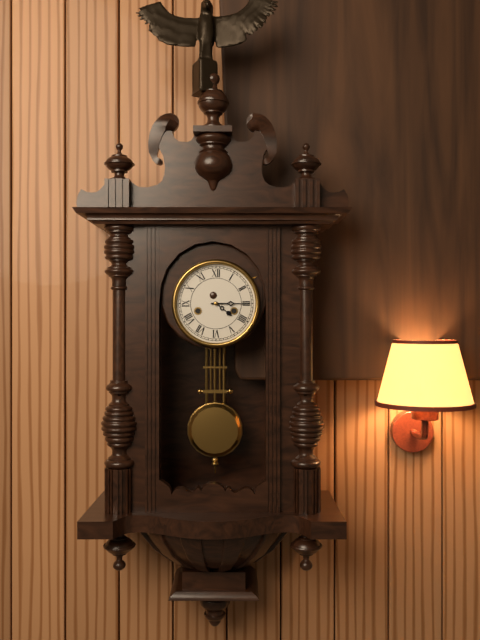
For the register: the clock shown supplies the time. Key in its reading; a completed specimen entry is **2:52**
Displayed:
**4:15**
